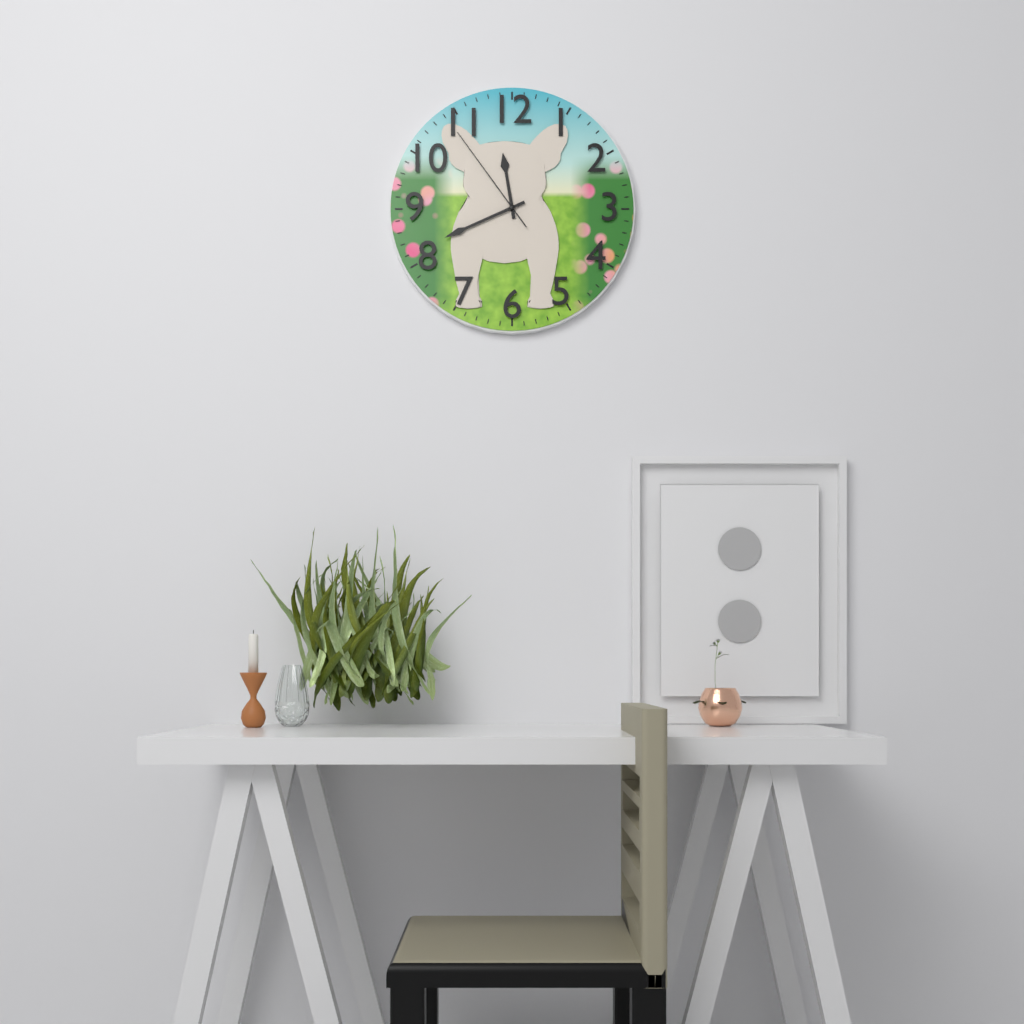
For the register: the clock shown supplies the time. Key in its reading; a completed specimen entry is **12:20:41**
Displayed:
**11:41:54**
